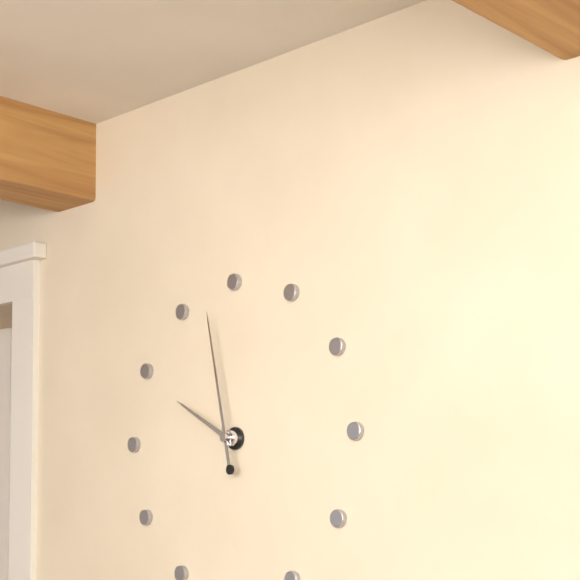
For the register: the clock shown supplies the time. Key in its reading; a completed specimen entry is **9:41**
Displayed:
**9:58**
